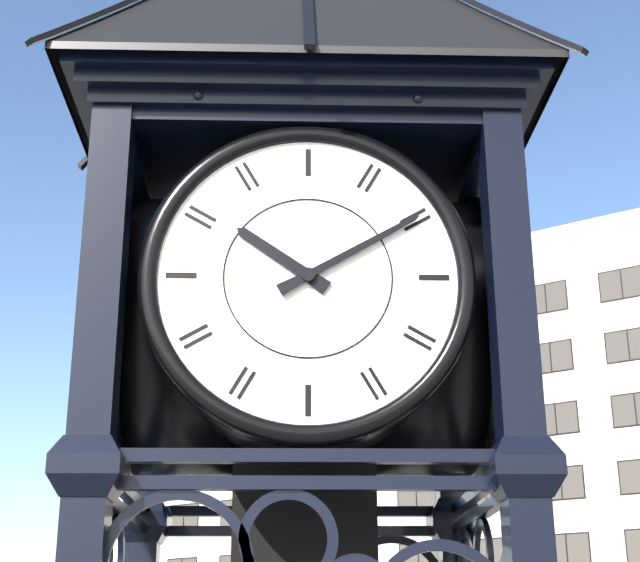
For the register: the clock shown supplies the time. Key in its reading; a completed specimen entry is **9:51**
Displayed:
**10:10**
